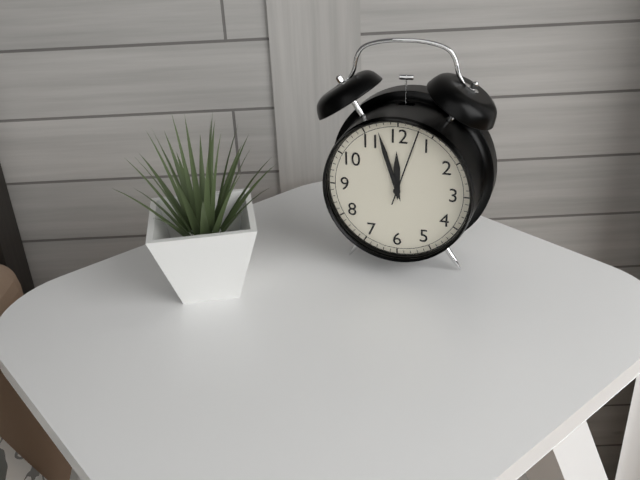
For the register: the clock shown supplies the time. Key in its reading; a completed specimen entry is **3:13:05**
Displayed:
**11:57:03**
